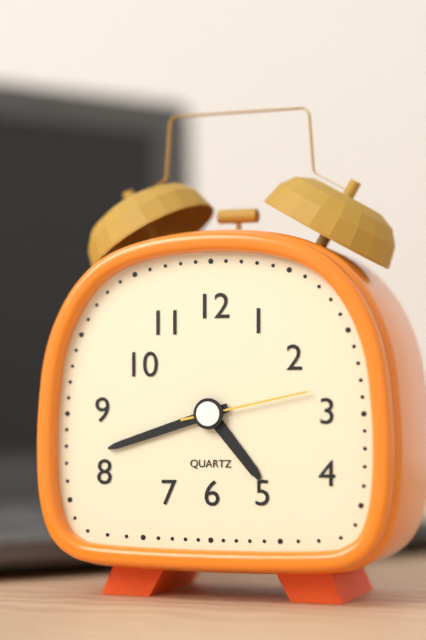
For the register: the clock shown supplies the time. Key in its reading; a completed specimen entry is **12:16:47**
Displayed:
**4:42:13**
